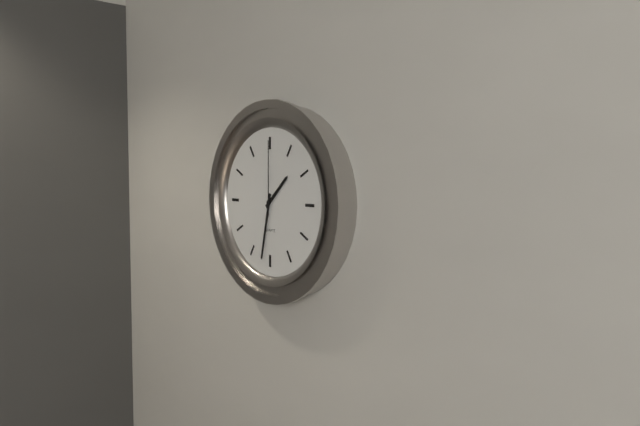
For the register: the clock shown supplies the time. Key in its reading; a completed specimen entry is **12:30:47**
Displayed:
**1:32:00**
